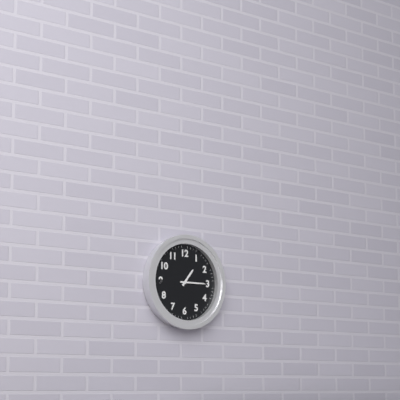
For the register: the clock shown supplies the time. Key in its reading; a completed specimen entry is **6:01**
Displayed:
**1:15**
